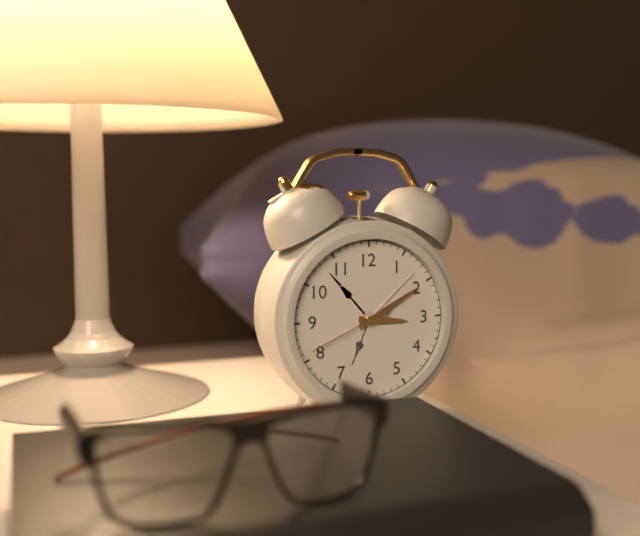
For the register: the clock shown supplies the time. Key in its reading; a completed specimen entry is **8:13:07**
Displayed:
**3:10:41**
